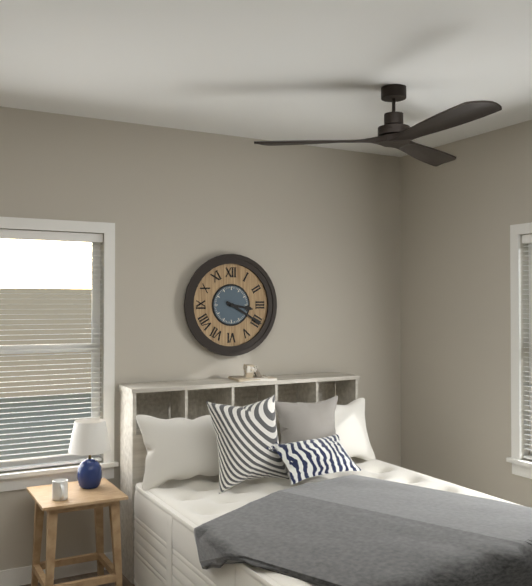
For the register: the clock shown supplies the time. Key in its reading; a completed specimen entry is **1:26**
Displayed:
**3:20**
